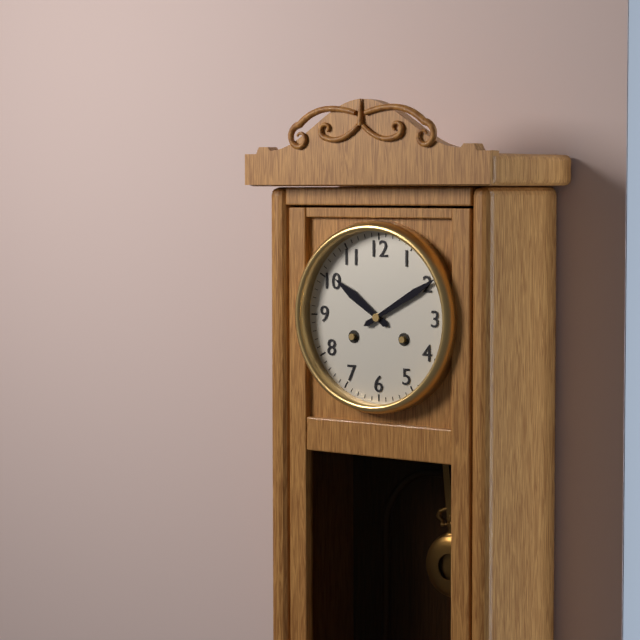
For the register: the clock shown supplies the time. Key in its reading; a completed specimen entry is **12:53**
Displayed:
**10:10**
